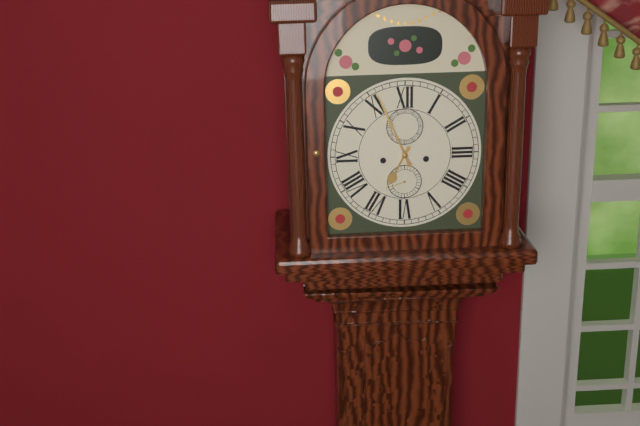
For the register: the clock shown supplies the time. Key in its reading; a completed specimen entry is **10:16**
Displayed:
**6:56**
